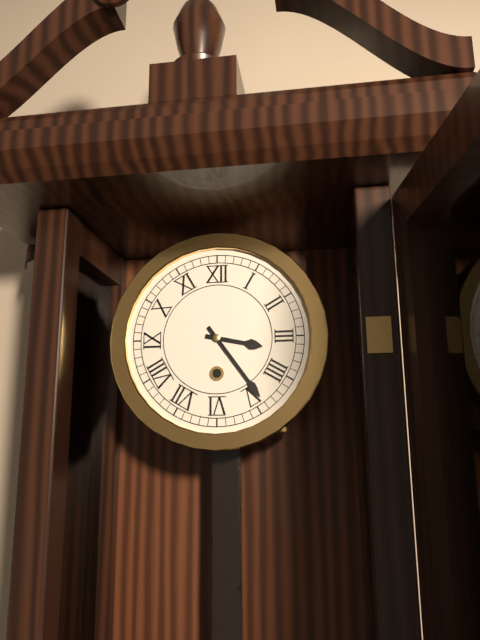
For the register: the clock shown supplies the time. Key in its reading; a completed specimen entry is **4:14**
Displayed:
**3:24**
